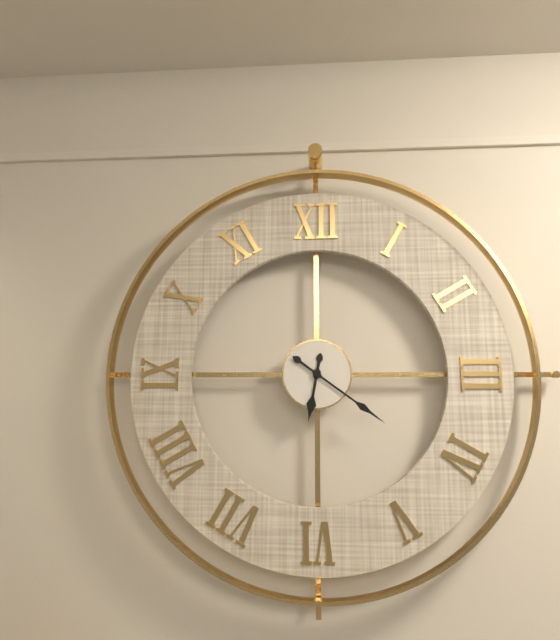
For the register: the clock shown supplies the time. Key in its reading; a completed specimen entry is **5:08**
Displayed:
**6:21**
